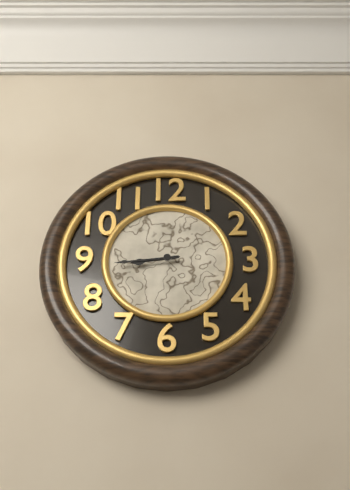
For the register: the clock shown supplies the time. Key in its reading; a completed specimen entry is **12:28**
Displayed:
**8:44**
